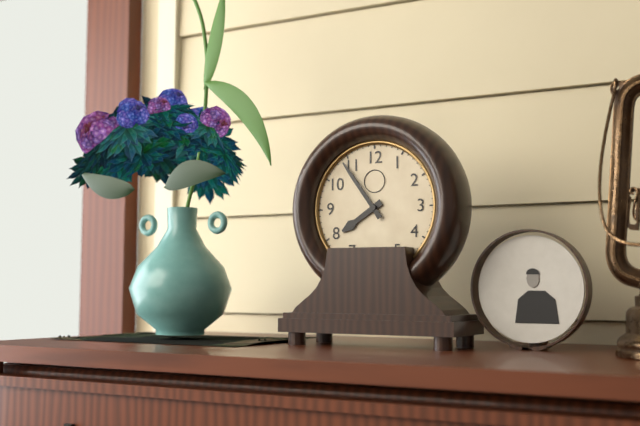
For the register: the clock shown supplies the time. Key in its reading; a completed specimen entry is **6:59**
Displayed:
**7:54**
